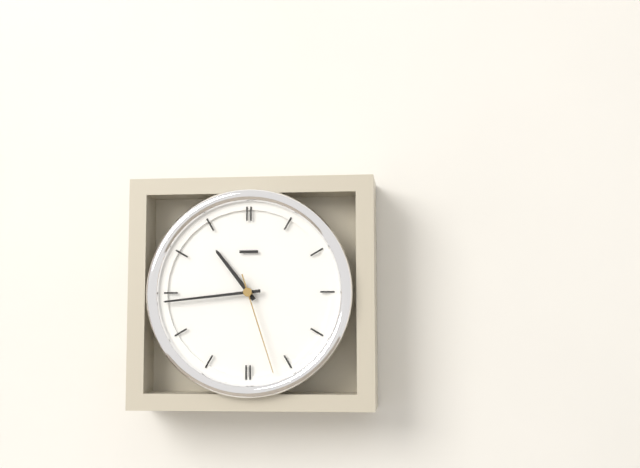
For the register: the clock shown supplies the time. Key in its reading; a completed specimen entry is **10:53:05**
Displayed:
**10:44:27**
